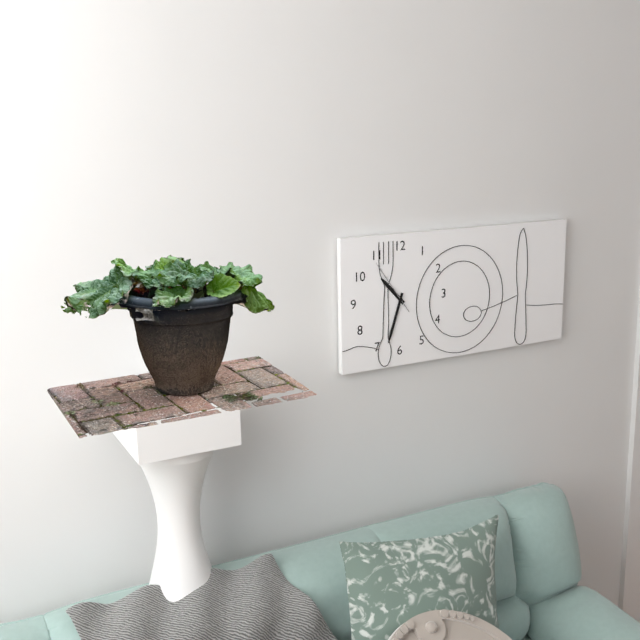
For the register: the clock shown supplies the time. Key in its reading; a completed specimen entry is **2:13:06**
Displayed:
**10:33:54**
